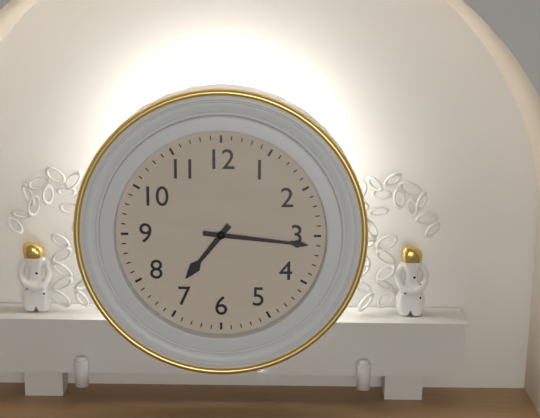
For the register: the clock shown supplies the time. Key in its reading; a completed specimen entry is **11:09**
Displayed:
**7:16**
